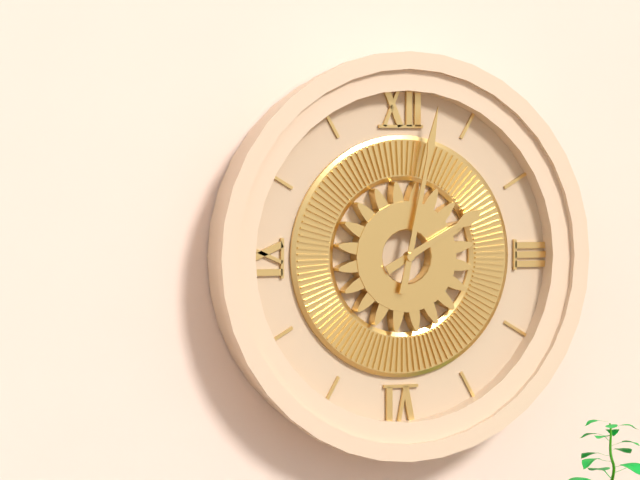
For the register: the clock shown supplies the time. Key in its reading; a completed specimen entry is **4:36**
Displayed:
**2:02**
